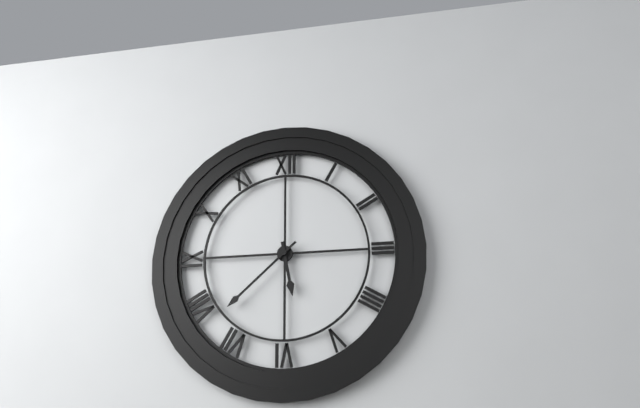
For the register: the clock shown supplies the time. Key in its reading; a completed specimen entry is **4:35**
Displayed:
**5:38**
